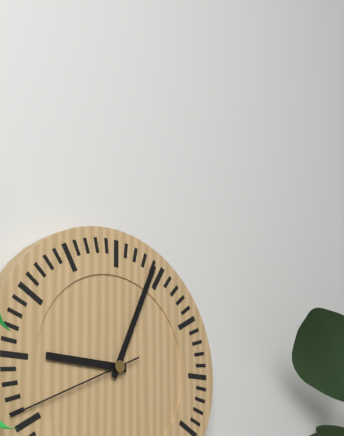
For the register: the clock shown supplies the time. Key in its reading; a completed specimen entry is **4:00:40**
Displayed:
**9:04:41**
